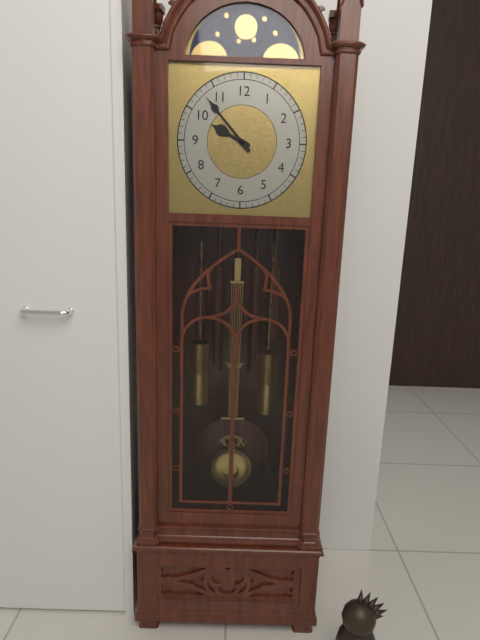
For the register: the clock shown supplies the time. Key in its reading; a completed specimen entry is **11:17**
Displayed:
**9:53**
